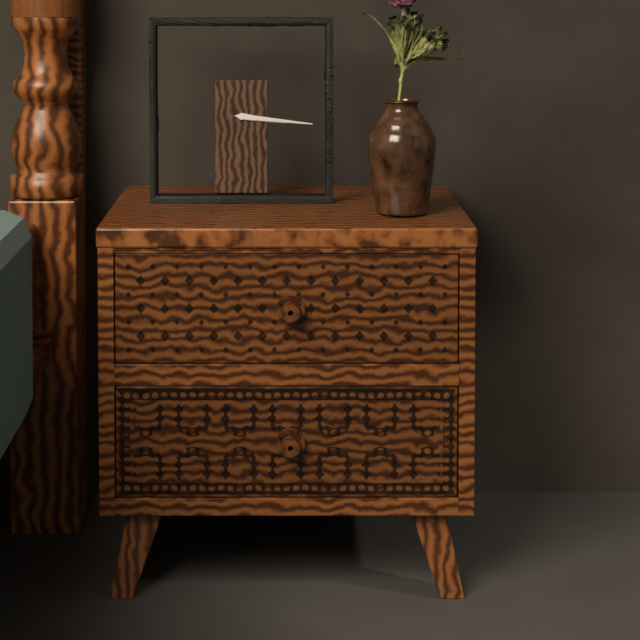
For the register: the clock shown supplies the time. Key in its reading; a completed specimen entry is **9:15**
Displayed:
**3:16**
